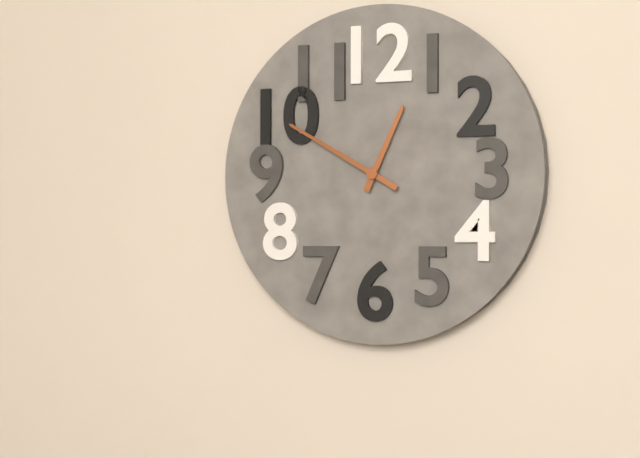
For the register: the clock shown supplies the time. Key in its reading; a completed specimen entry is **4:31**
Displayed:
**12:50**
